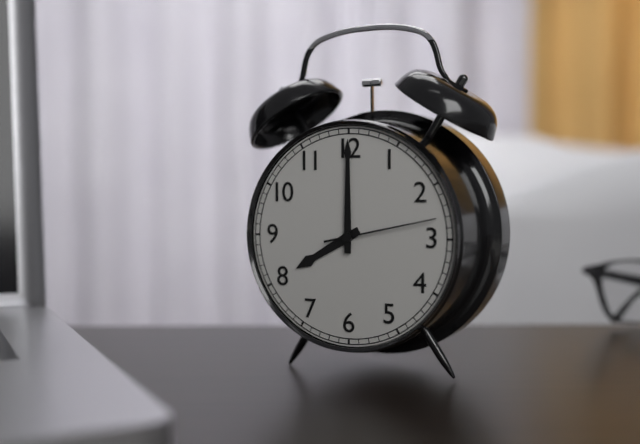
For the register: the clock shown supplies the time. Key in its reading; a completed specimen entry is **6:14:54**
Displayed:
**8:00:13**
